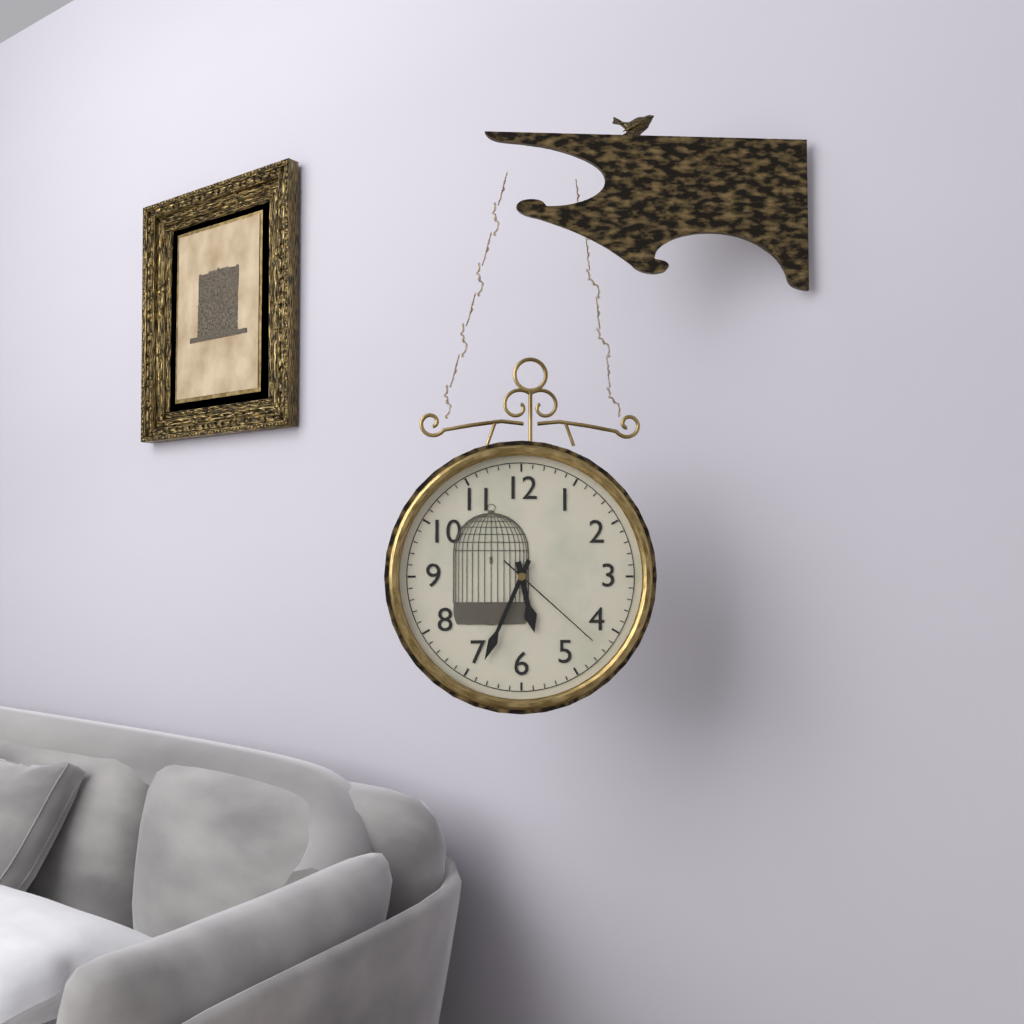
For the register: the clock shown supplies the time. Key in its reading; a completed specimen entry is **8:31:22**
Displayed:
**5:34:22**
